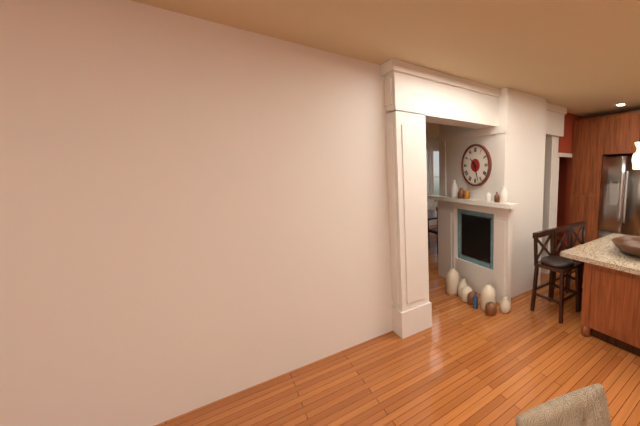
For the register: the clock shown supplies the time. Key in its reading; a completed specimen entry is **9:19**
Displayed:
**10:27**
